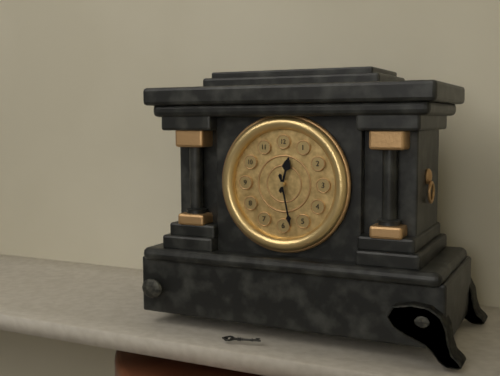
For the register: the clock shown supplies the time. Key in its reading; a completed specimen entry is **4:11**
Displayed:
**12:28**
